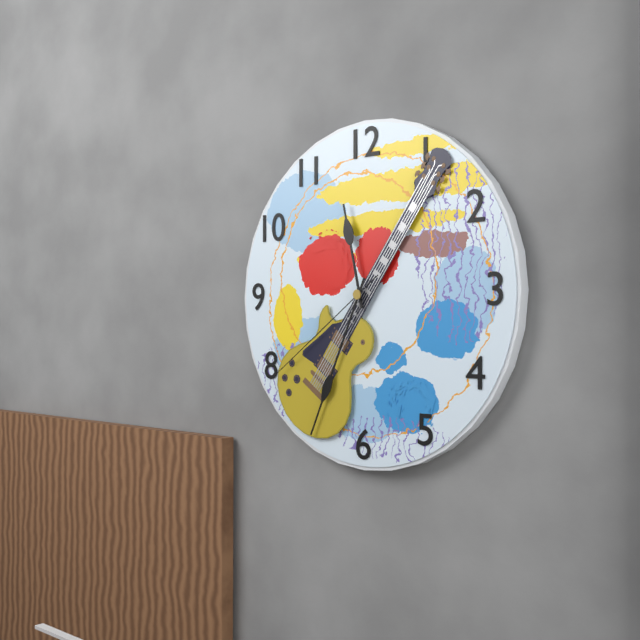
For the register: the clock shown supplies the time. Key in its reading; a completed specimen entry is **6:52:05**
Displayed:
**11:34:39**
